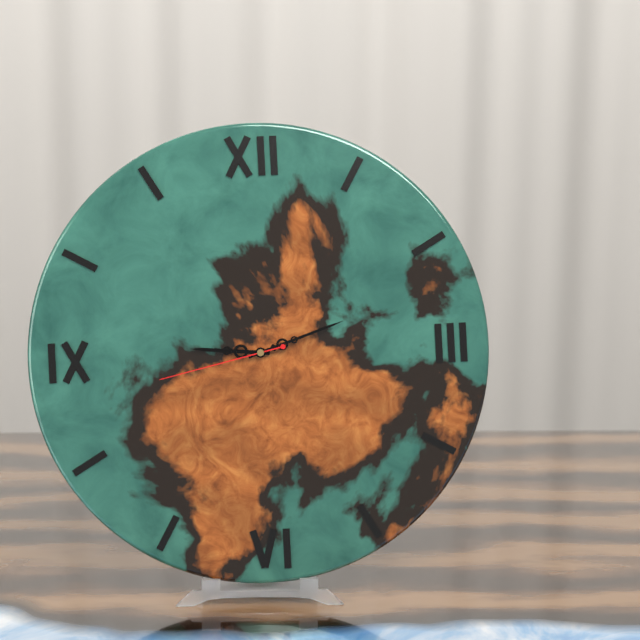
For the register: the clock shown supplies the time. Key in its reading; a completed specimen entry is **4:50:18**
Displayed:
**9:12:43**
